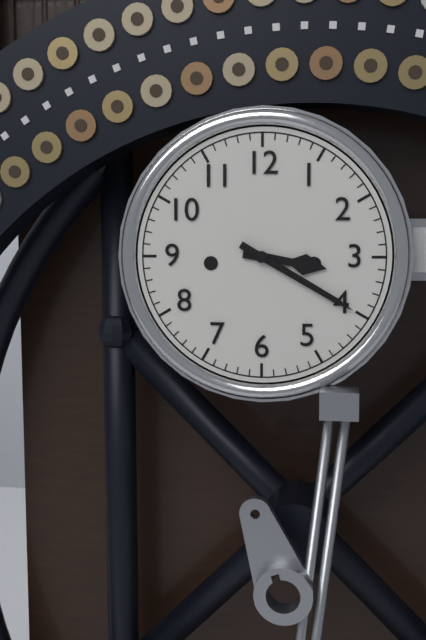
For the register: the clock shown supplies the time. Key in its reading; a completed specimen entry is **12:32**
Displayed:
**3:20**
